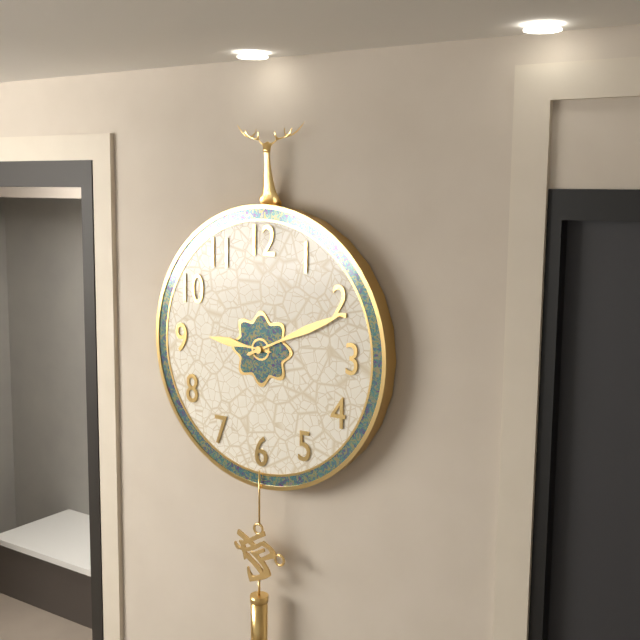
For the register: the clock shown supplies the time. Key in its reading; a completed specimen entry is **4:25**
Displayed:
**9:11**
